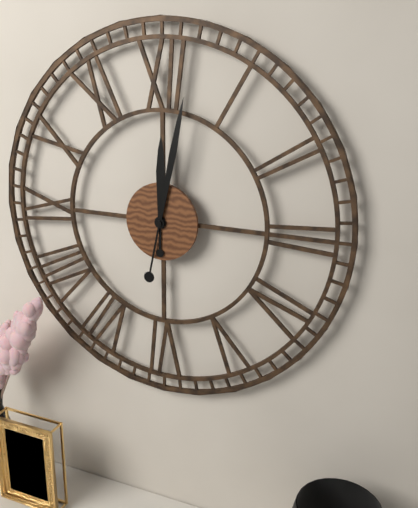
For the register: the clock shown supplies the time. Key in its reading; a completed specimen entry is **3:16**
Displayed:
**12:02**
